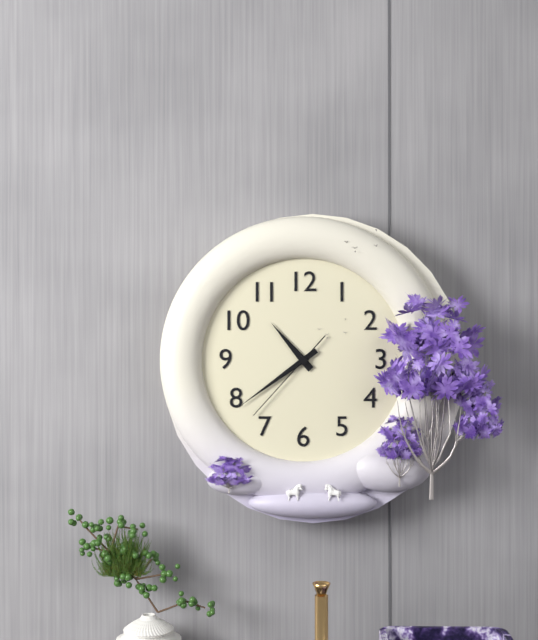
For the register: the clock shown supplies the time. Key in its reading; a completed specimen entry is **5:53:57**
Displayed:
**10:39:37**
